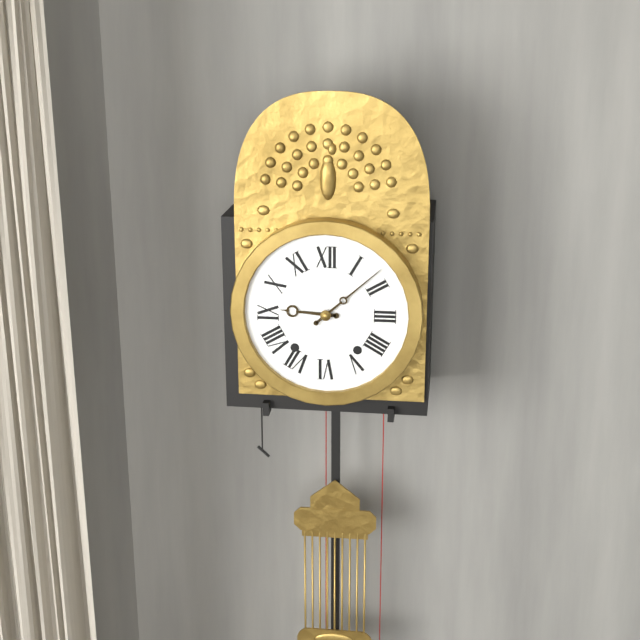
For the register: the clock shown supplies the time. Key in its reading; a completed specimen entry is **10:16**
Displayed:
**9:08**
